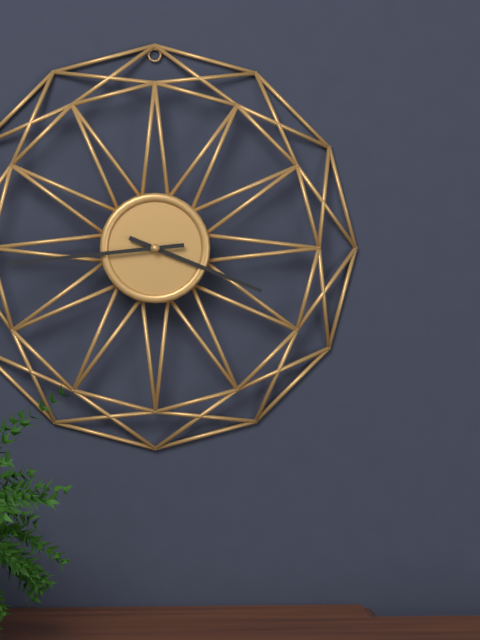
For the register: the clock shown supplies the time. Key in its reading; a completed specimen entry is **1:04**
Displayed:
**3:44**
